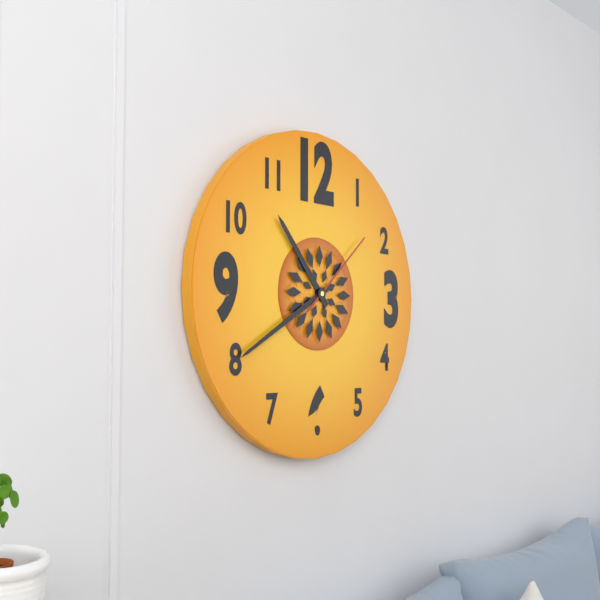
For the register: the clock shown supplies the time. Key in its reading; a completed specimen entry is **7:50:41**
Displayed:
**10:40:08**
